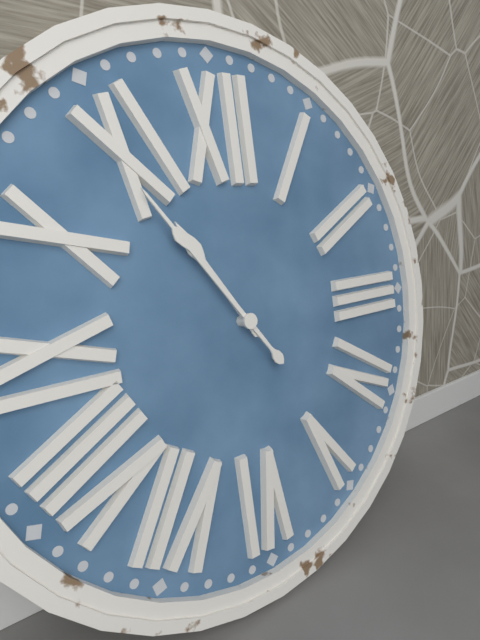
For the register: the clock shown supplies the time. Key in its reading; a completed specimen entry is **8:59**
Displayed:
**10:54**
